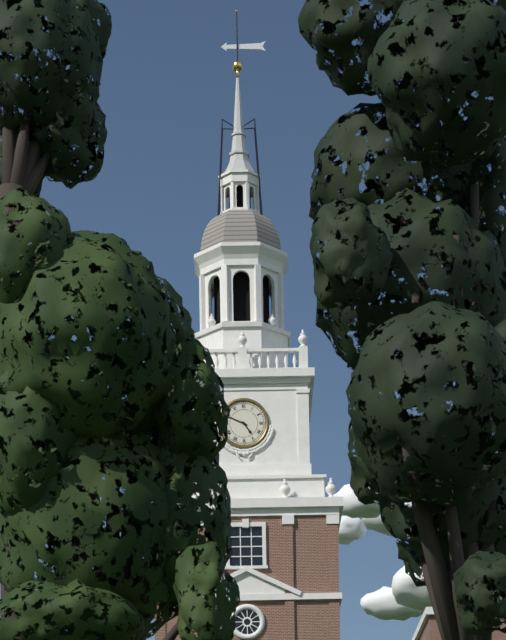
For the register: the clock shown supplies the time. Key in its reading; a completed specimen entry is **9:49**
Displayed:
**4:49**
